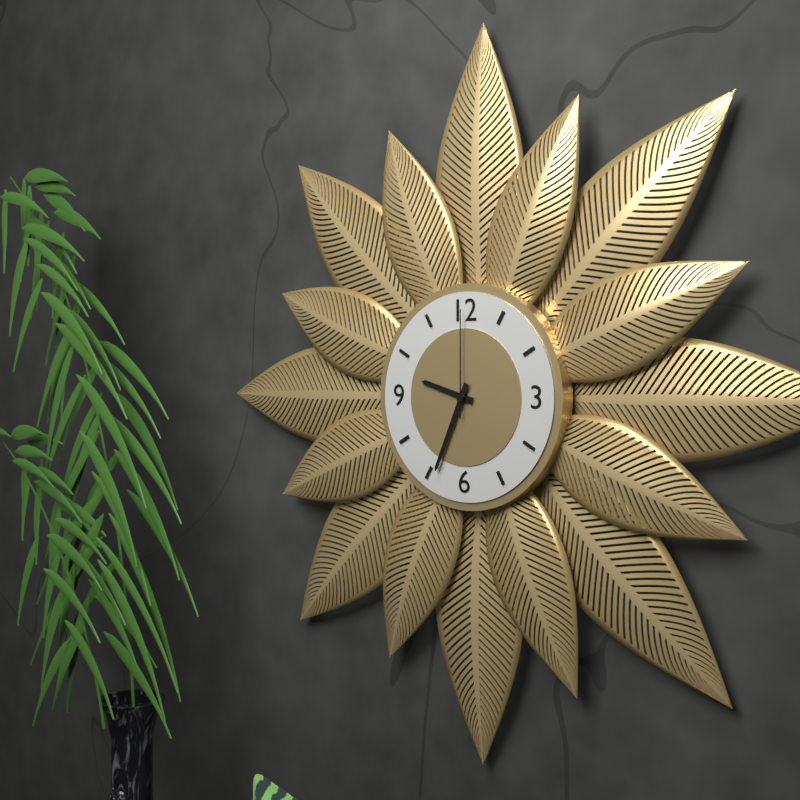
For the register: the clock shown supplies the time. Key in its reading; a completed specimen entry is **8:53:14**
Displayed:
**9:34:00**
